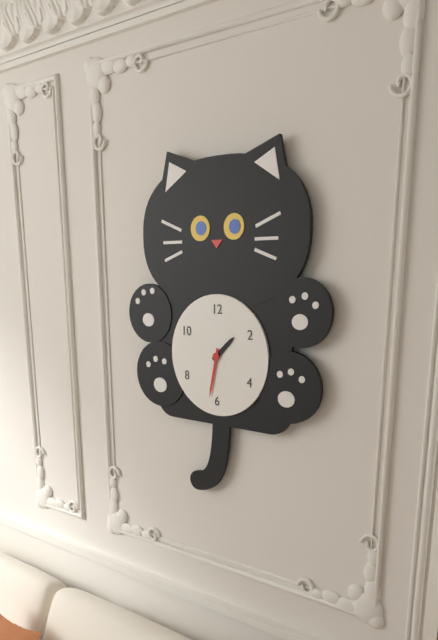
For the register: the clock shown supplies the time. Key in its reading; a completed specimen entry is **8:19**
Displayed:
**1:32**
